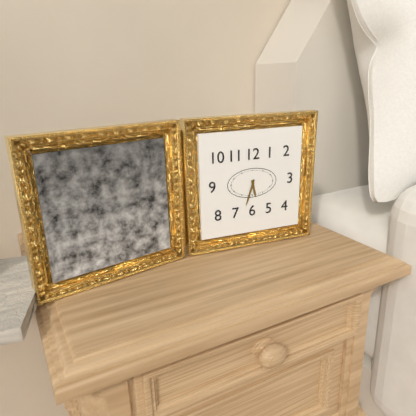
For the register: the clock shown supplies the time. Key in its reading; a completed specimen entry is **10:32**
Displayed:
**5:33**
